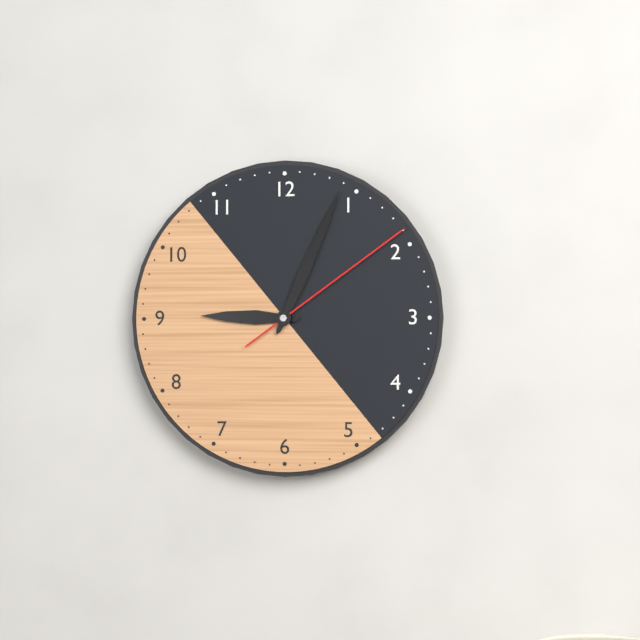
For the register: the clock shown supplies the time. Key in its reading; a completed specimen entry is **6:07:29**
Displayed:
**9:04:09**
